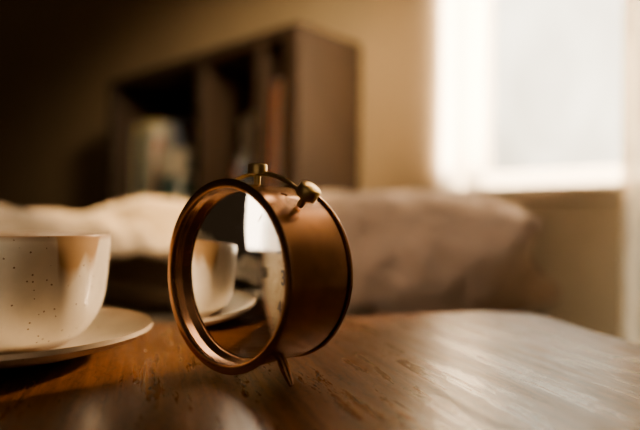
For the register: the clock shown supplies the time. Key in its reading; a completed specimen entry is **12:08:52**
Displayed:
**10:02:06**
